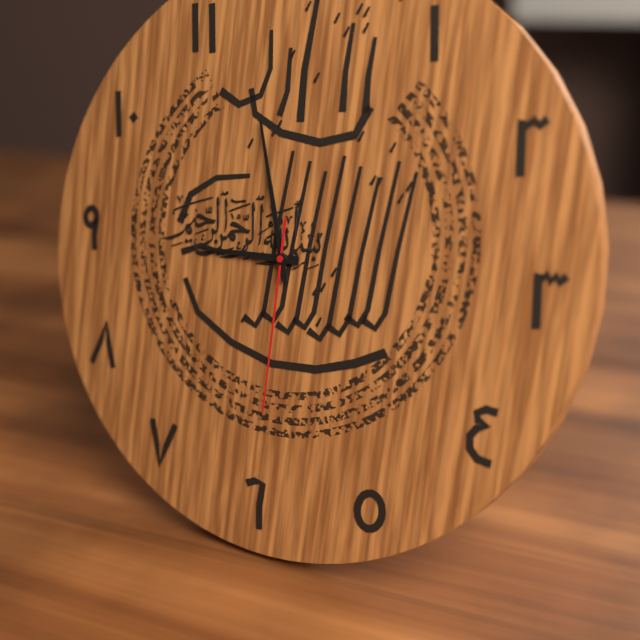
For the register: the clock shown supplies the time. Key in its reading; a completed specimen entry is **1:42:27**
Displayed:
**8:57:30**
